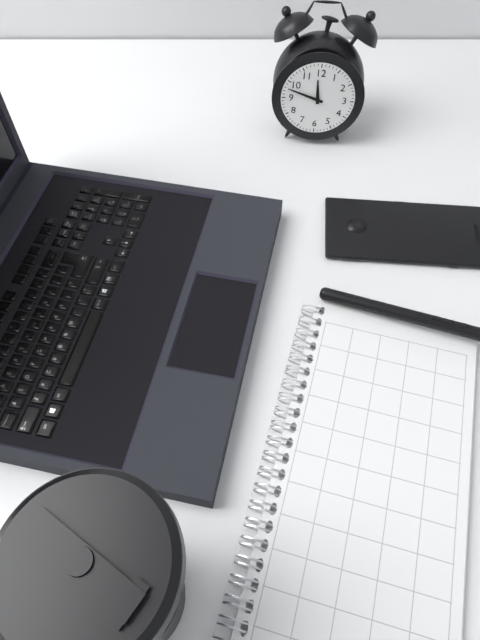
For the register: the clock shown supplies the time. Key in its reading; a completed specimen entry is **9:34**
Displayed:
**11:48**
